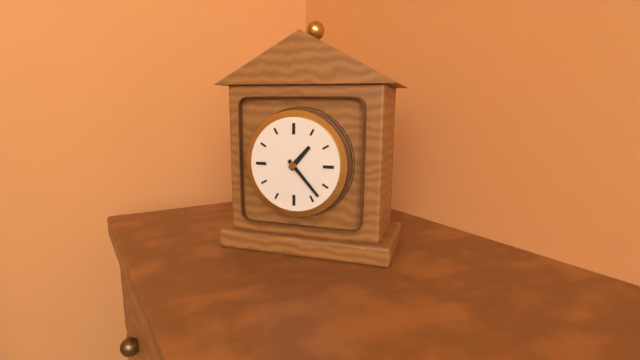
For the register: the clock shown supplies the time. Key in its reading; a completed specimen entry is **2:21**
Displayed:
**1:23**
